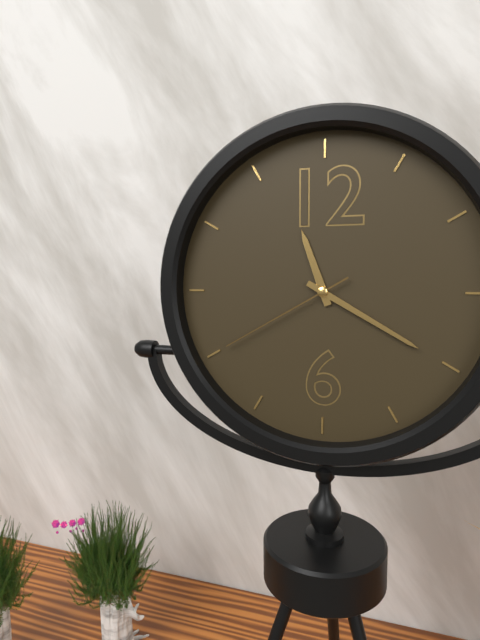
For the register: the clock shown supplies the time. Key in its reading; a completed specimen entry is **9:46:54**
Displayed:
**11:20:40**
